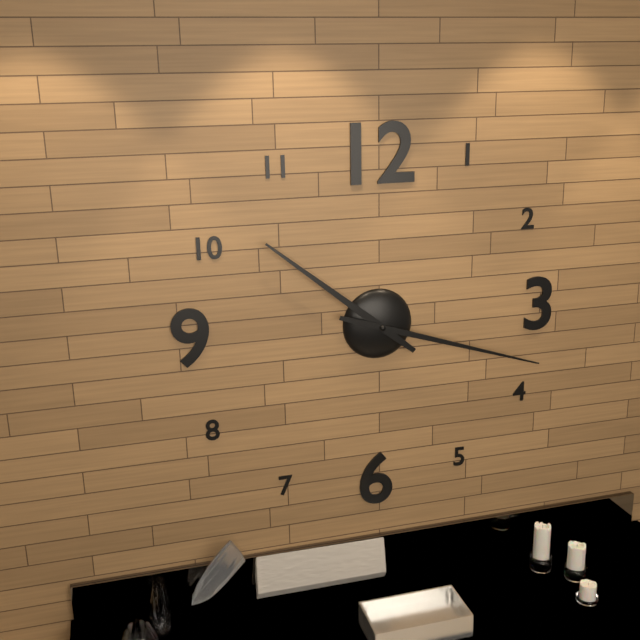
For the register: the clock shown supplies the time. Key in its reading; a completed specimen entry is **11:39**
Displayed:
**10:18**
